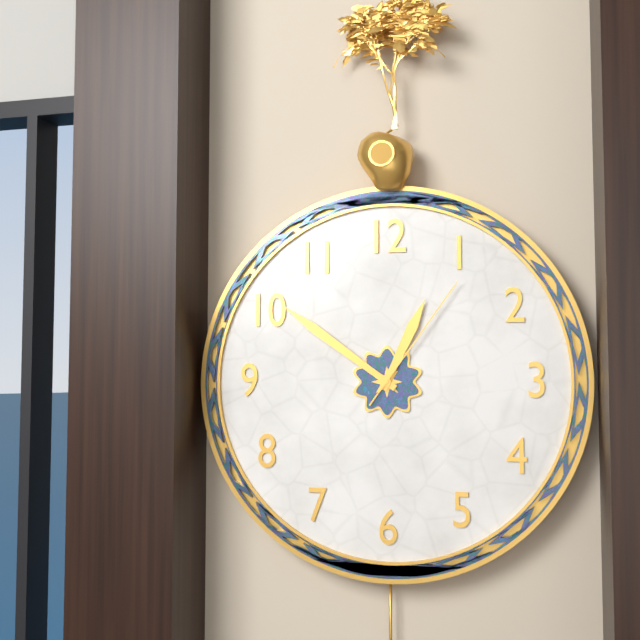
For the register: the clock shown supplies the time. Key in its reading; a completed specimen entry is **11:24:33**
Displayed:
**12:51:06**
